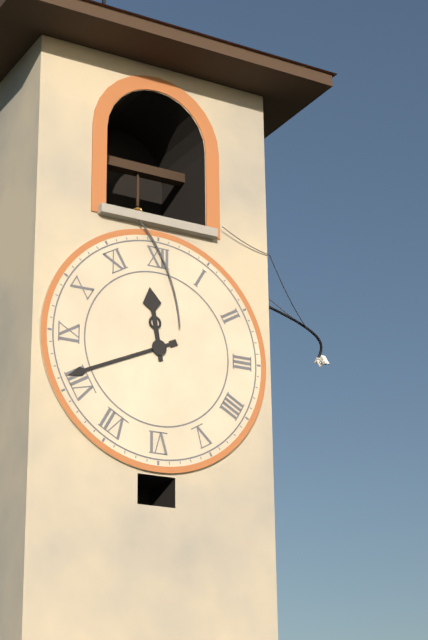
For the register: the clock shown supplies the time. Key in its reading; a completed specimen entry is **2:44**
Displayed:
**11:41**
